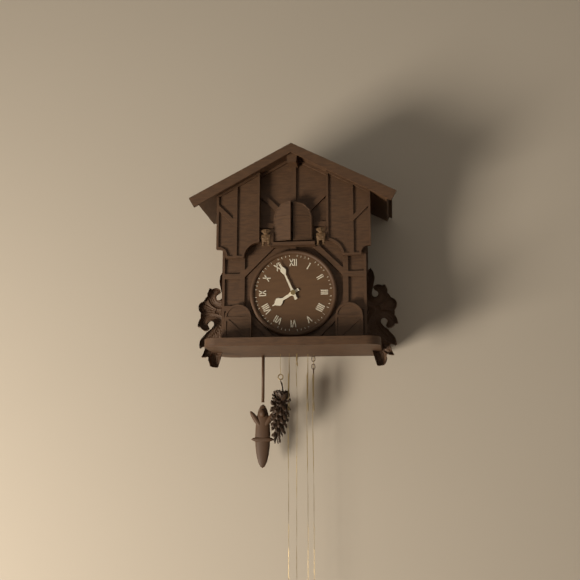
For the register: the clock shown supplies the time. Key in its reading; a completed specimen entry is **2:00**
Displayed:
**7:56**
